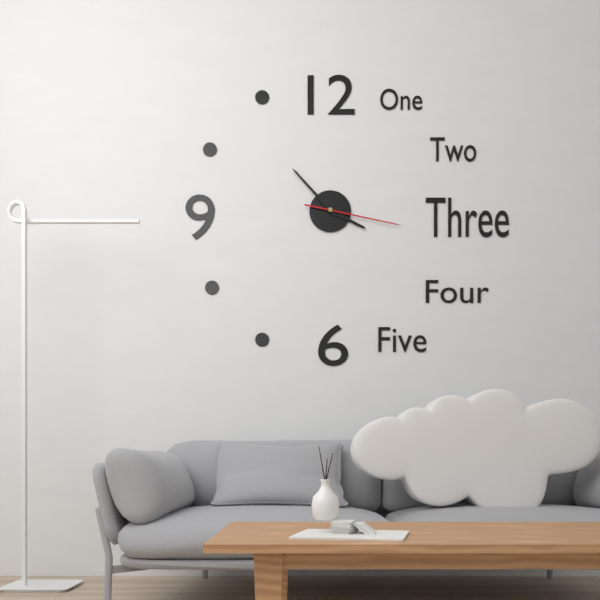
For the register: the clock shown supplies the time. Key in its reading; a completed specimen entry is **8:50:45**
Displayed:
**3:53:17**
